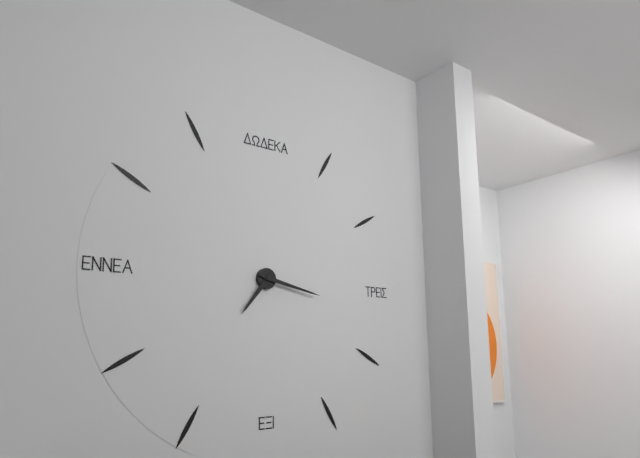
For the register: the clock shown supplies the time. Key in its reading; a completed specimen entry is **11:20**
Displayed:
**7:17**
